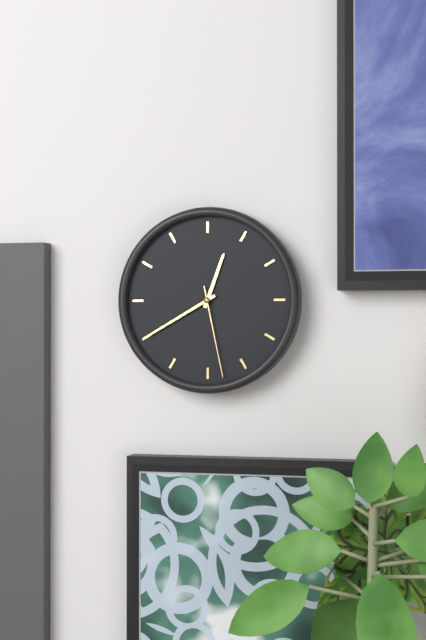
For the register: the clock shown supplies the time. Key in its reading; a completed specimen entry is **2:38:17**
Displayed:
**12:40:28**
